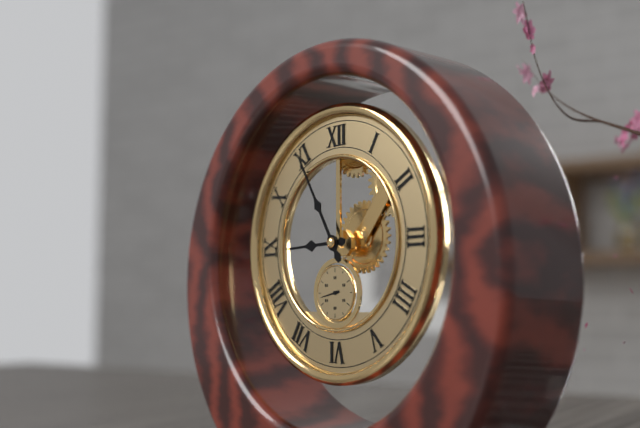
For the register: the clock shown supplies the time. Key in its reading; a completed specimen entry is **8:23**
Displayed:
**8:55**
